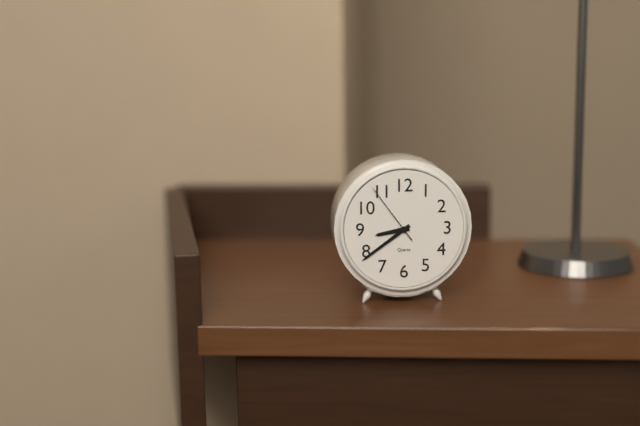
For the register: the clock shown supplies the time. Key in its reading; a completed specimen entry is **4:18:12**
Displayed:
**8:39:54**
